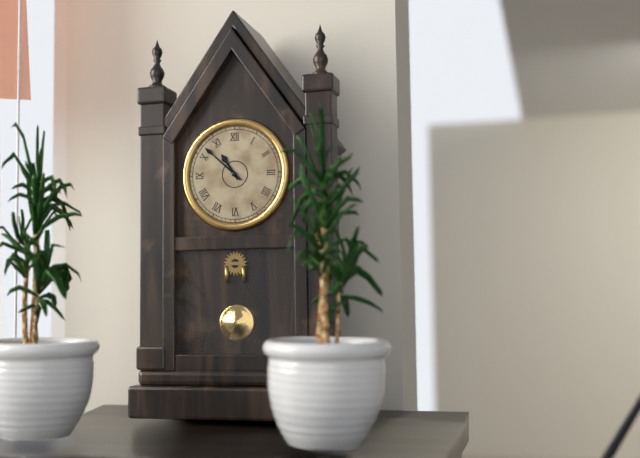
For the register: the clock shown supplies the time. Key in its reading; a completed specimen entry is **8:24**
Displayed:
**10:52**
